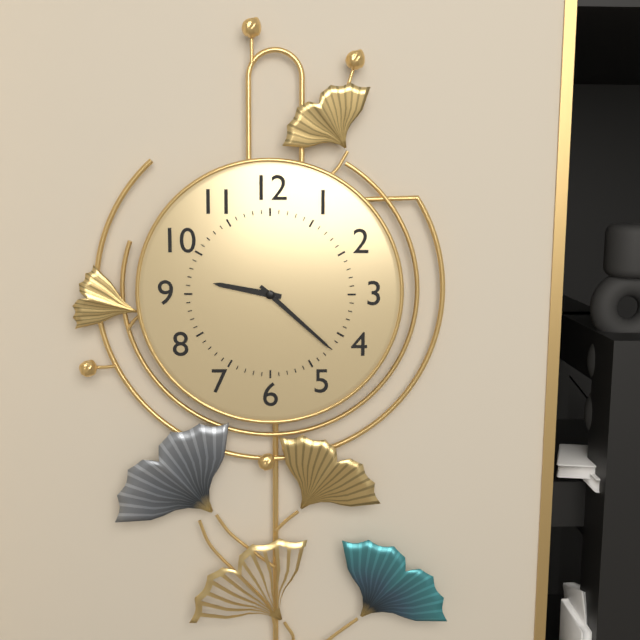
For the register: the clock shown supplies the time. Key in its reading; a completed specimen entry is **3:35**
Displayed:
**9:22**
